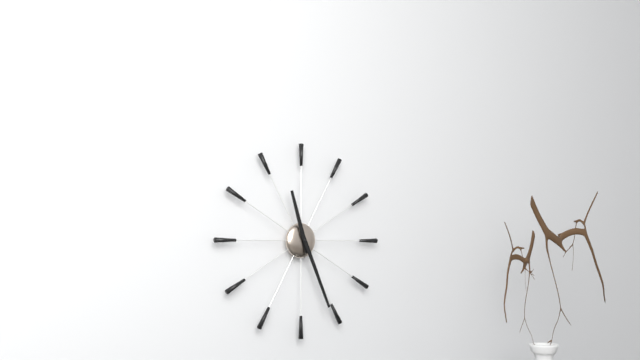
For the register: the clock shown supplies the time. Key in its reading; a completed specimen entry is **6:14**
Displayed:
**11:26**
